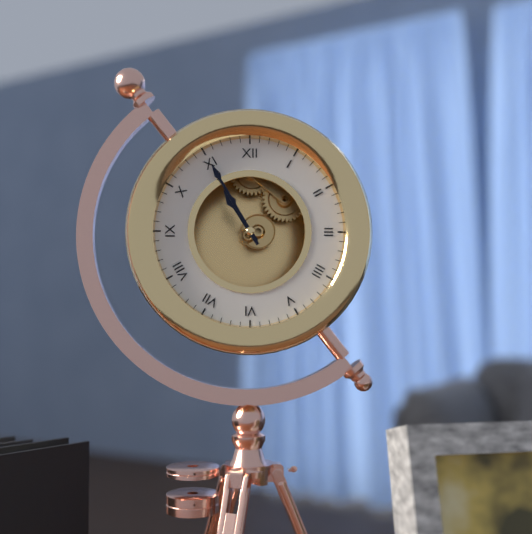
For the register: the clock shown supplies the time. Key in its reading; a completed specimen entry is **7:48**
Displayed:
**10:55**
